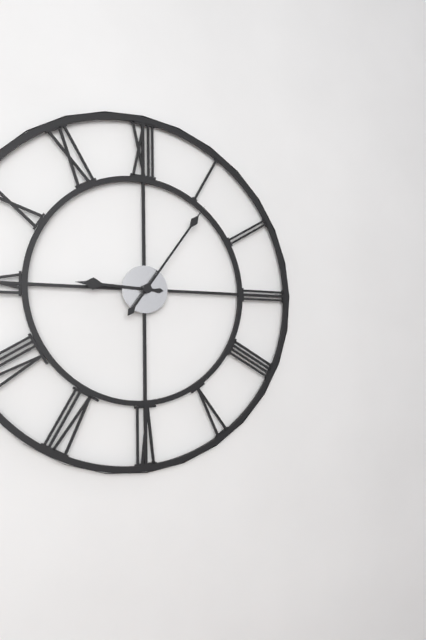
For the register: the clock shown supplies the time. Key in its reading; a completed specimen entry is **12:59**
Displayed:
**9:06**
